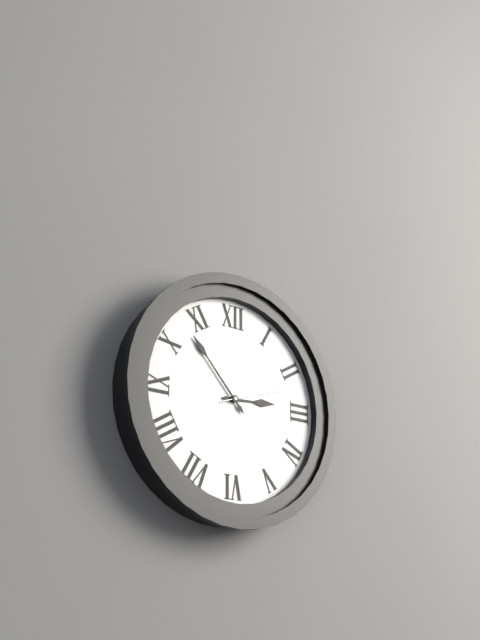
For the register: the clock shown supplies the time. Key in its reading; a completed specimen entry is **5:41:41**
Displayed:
**2:53:12**
